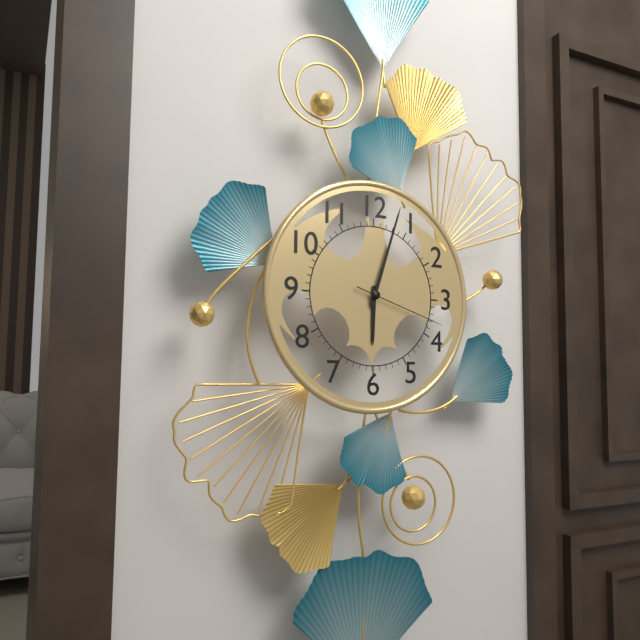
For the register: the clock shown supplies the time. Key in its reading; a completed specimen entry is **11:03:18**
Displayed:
**6:03:18**
